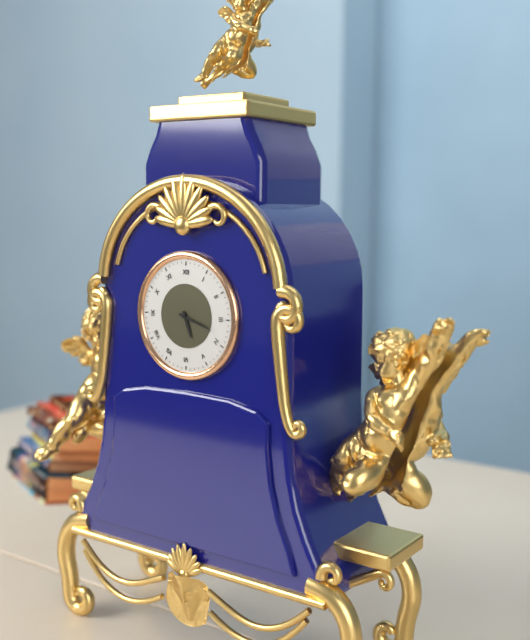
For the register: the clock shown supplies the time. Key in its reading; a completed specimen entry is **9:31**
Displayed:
**5:18**
